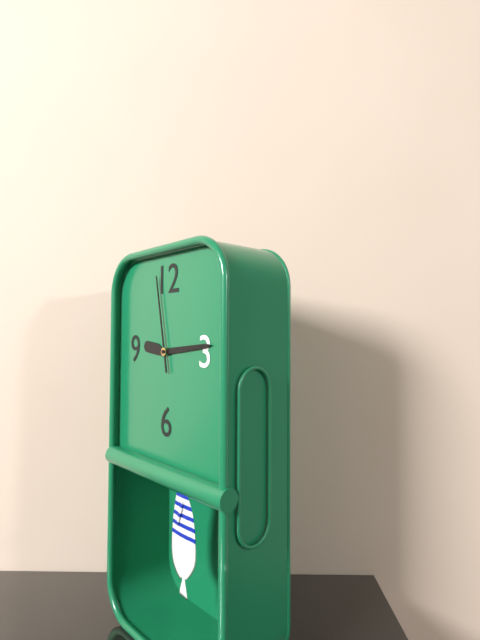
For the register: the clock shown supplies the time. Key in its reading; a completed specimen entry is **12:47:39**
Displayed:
**9:14:58**
